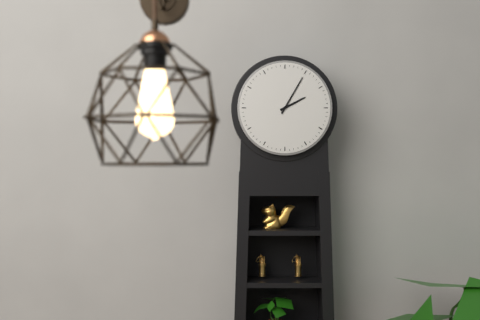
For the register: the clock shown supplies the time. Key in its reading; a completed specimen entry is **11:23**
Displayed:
**2:05**
